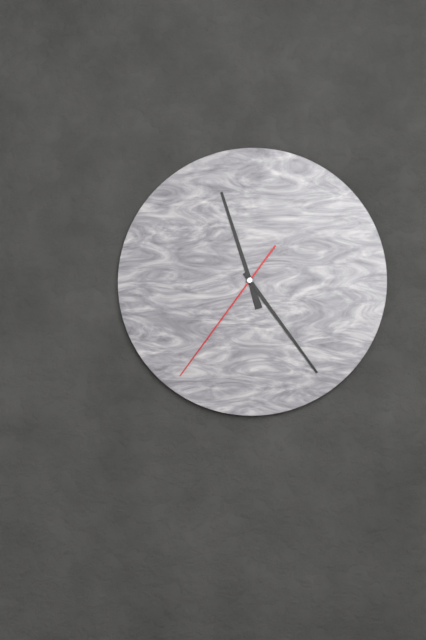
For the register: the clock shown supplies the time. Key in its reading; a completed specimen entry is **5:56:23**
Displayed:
**11:24:36**
